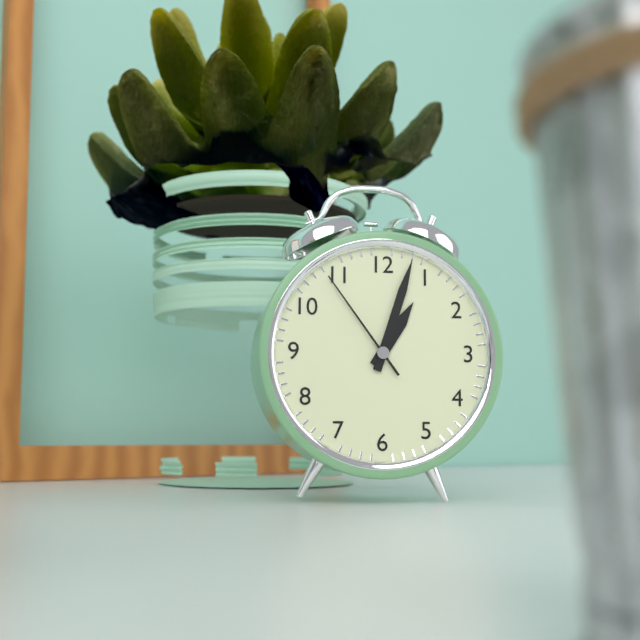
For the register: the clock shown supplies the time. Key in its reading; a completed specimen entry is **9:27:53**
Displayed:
**1:03:54**
